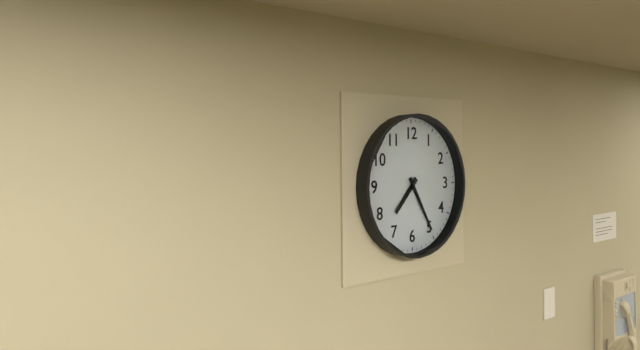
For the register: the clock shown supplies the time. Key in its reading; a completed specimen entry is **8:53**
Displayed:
**7:25**
